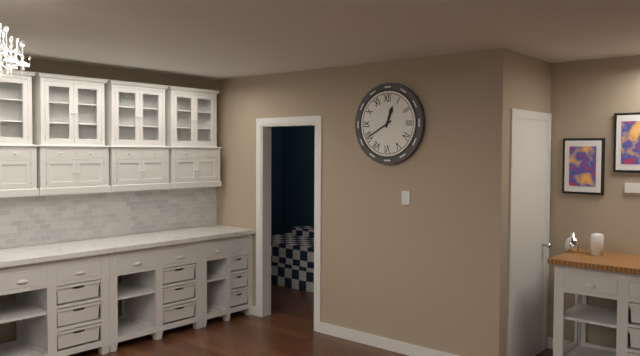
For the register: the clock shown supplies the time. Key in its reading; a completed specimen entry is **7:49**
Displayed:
**12:40**
